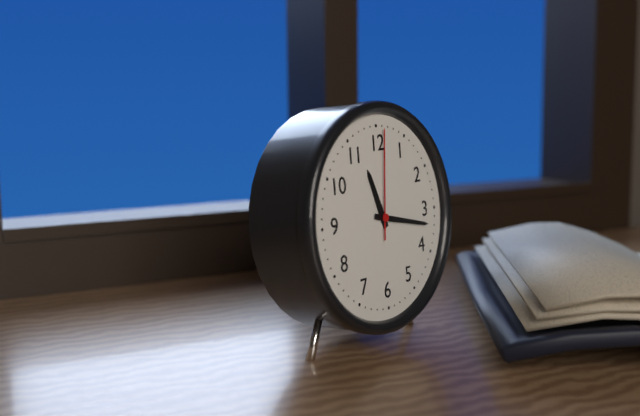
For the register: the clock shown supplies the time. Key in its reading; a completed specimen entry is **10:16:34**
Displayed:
**11:17:01**
